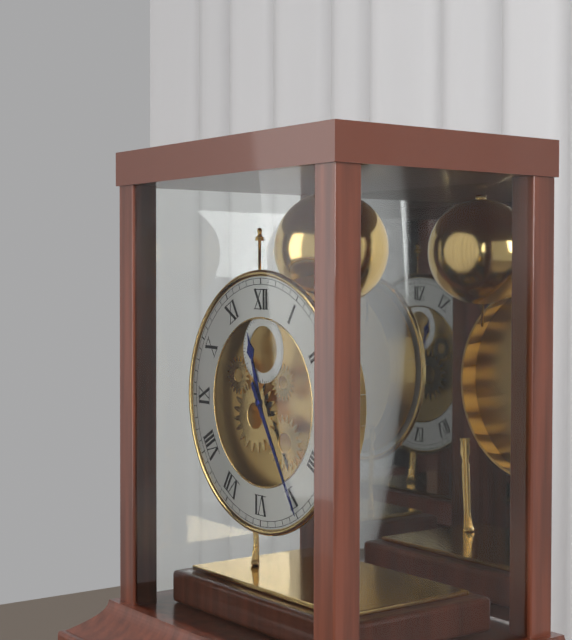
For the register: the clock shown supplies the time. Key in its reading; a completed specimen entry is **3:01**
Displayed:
**11:25**
